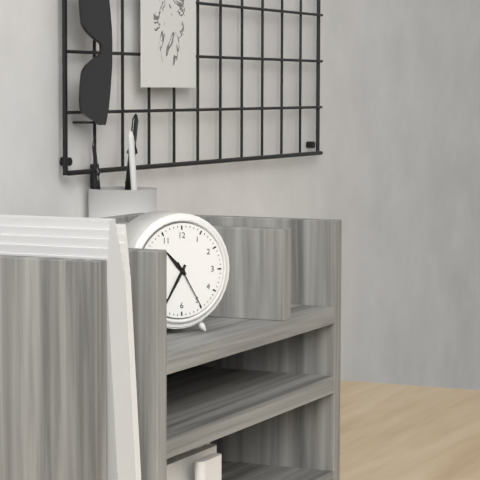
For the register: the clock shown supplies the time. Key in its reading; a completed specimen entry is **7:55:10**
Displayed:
**10:35:25**
